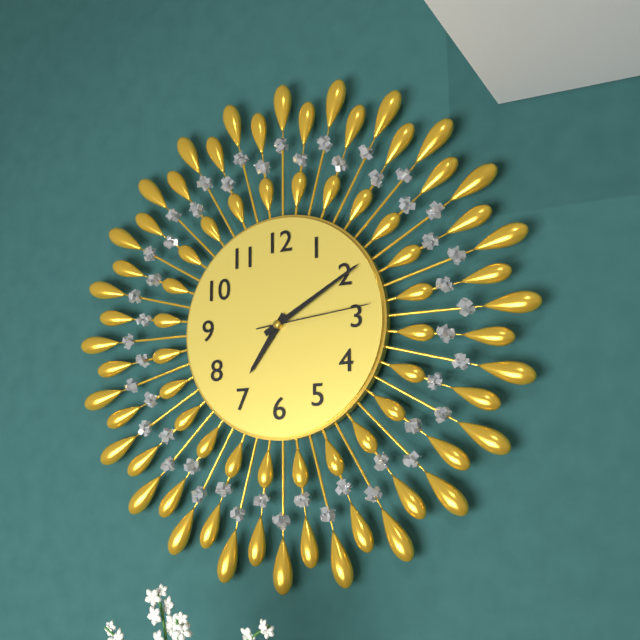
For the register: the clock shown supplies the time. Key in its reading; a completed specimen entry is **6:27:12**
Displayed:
**7:10:14**
